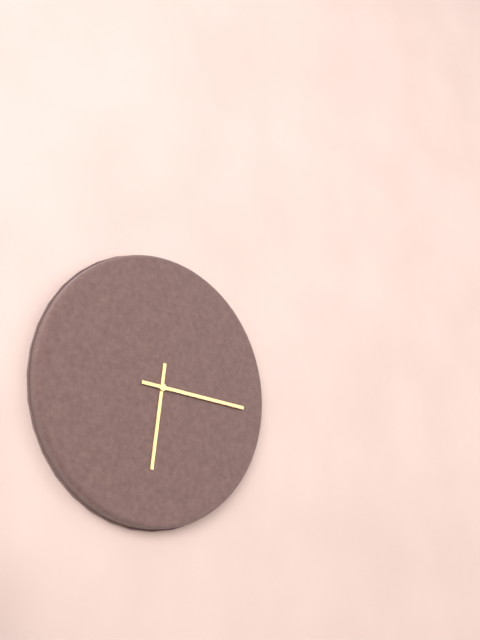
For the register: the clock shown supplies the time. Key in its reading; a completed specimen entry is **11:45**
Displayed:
**6:16**
